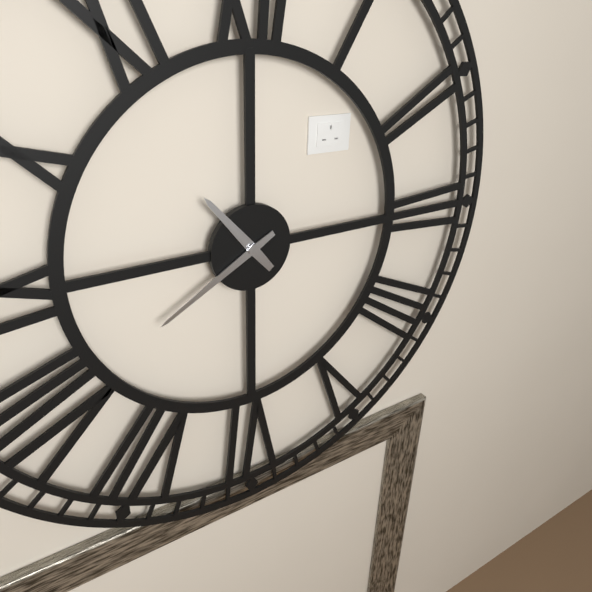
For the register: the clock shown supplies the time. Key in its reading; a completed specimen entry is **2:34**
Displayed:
**10:40**
